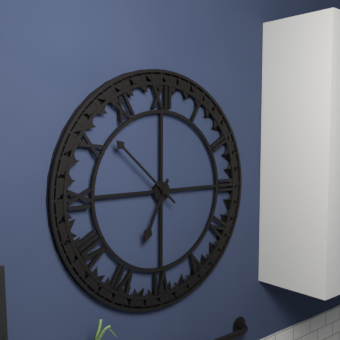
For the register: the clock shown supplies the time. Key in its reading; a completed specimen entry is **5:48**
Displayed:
**6:52**
